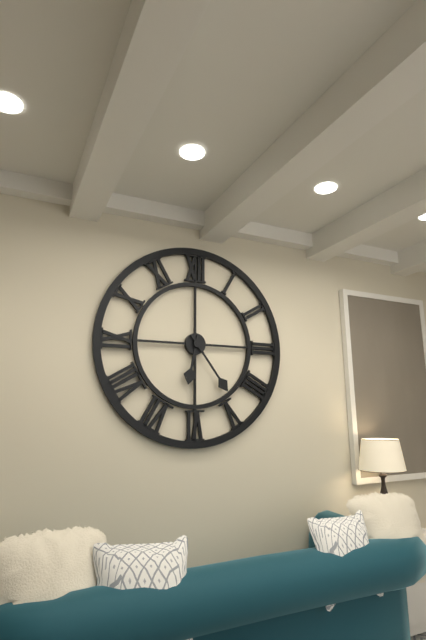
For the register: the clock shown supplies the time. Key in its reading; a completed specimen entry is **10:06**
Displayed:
**6:24**
